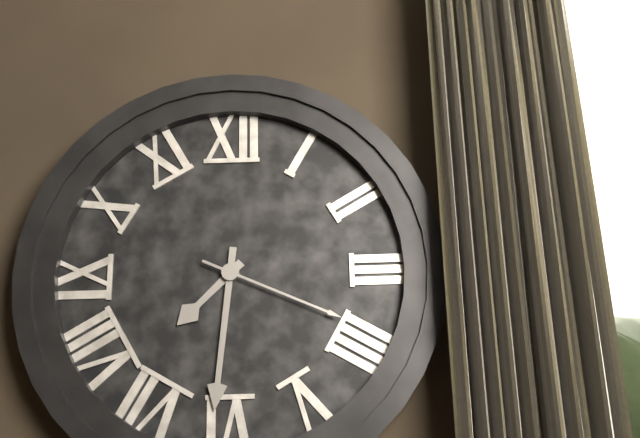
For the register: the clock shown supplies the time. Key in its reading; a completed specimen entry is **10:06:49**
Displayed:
**7:31:19**
